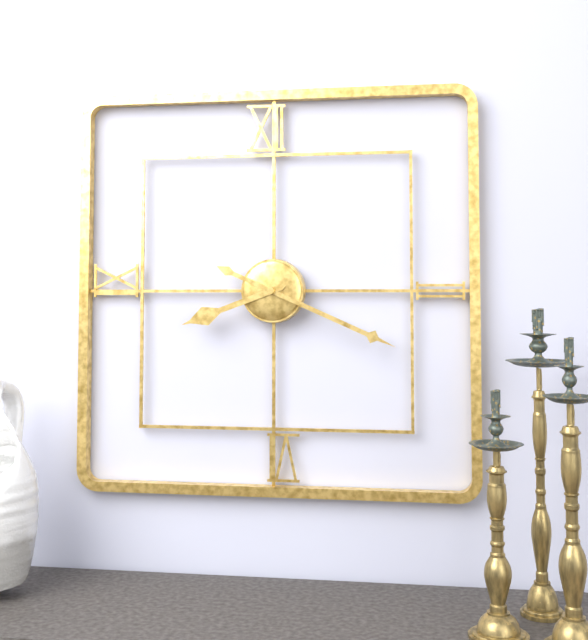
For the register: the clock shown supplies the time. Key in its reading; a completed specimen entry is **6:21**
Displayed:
**8:19**
